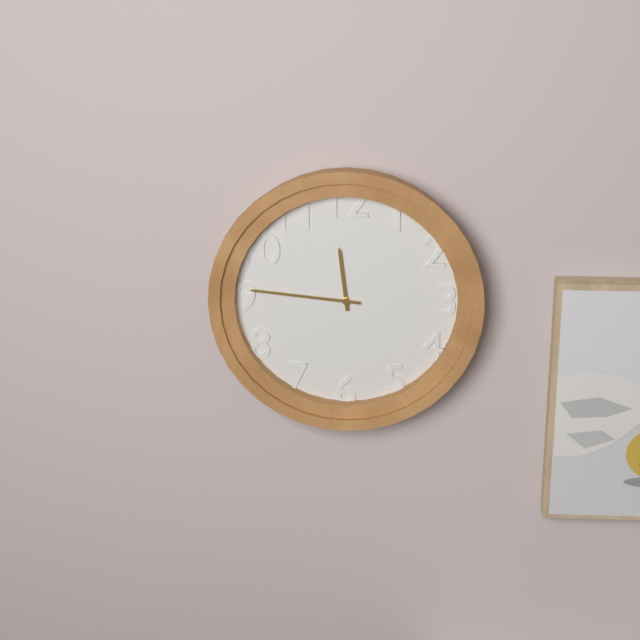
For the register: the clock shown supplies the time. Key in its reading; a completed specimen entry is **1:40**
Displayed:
**11:46**
